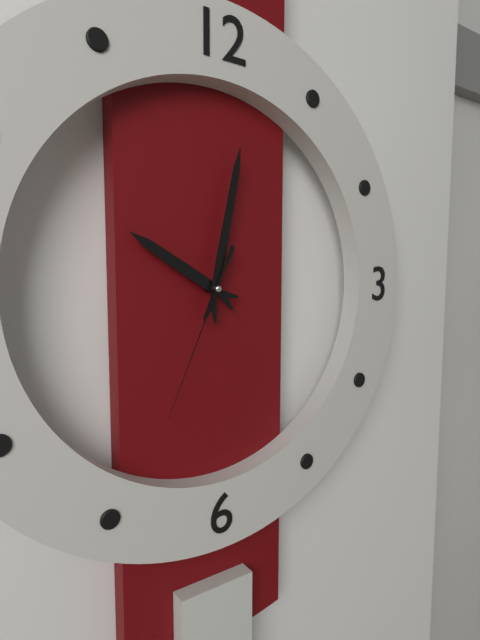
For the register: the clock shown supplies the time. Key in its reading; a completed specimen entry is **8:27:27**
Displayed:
**10:02:34**
